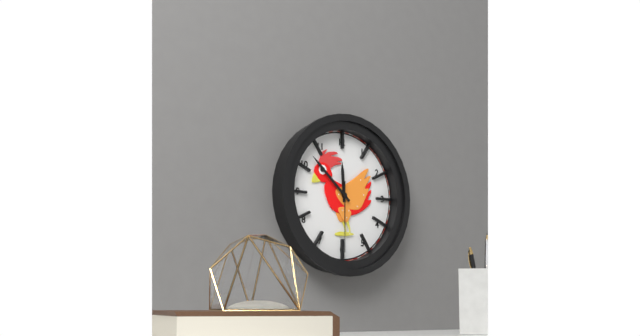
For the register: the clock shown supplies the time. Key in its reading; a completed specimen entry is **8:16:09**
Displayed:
**11:52:30**
